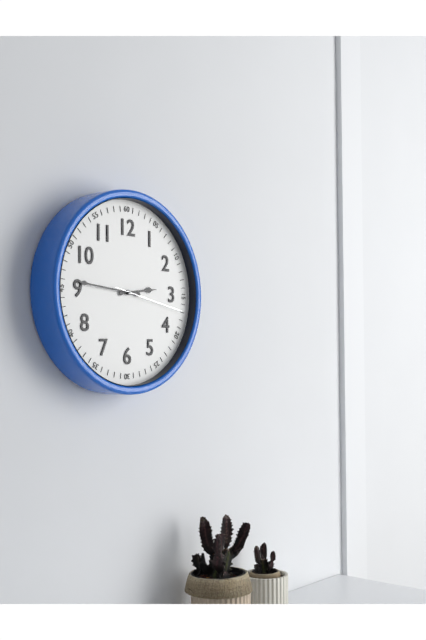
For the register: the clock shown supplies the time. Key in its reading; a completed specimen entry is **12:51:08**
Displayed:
**2:46:17**
